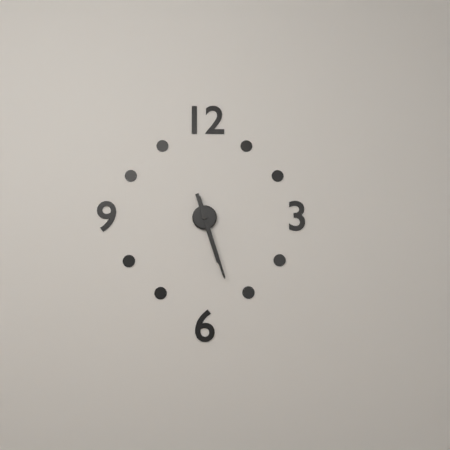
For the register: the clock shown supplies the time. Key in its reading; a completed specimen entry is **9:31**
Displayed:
**5:27**
